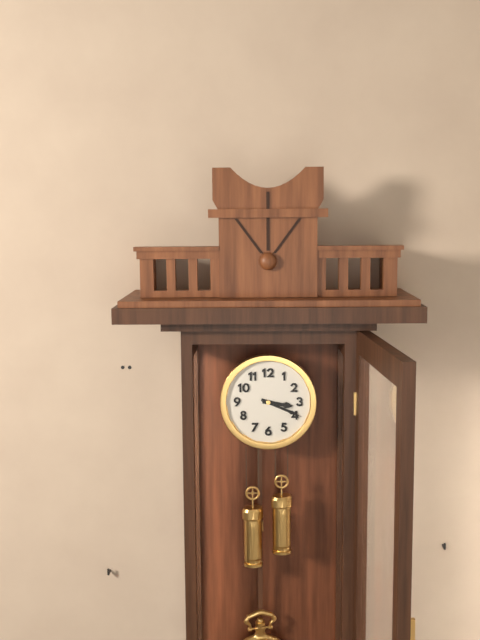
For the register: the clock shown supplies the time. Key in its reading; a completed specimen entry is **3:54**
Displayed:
**3:19**
